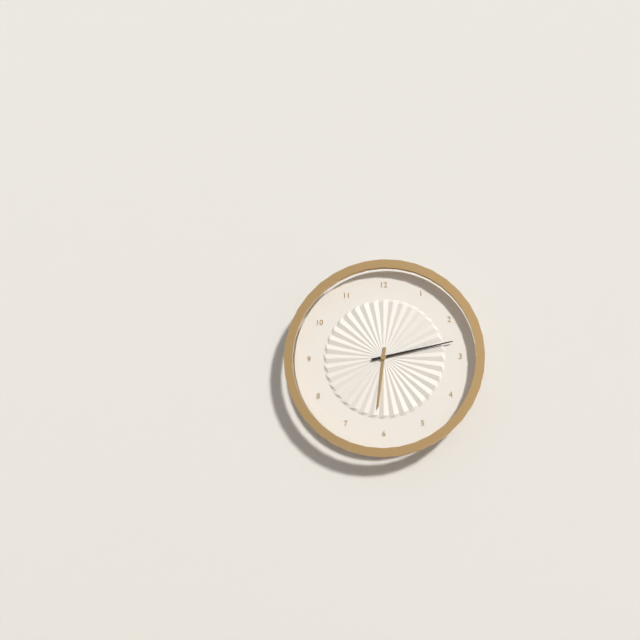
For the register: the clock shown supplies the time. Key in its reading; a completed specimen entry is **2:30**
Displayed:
**6:13**
